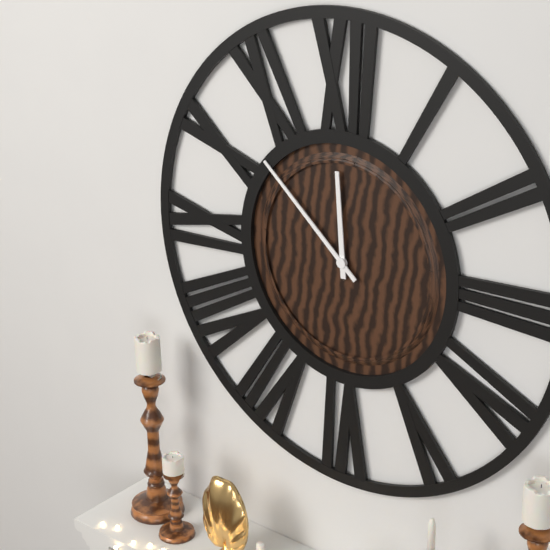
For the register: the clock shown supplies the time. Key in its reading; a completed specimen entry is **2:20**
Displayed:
**11:52**
